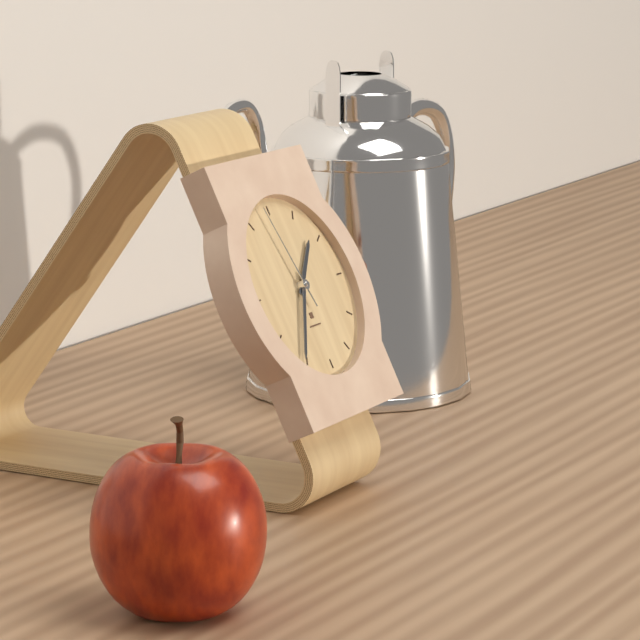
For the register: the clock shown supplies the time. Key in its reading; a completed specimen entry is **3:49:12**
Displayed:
**1:36:58**
